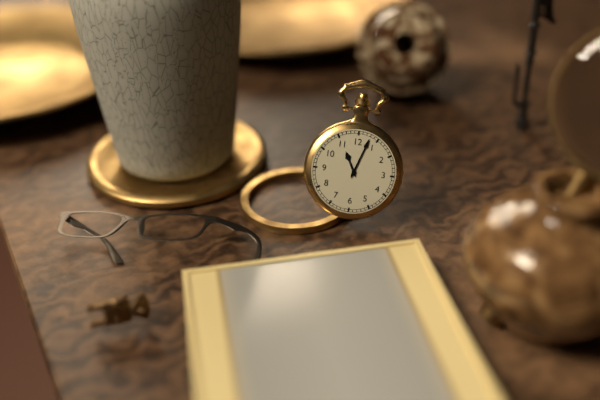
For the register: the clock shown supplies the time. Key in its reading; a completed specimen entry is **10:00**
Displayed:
**11:03**
